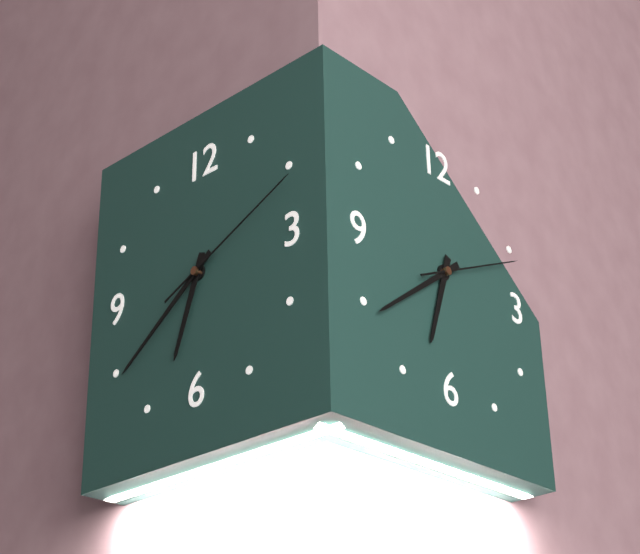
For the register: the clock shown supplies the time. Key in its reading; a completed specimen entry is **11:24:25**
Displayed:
**6:39:11**
